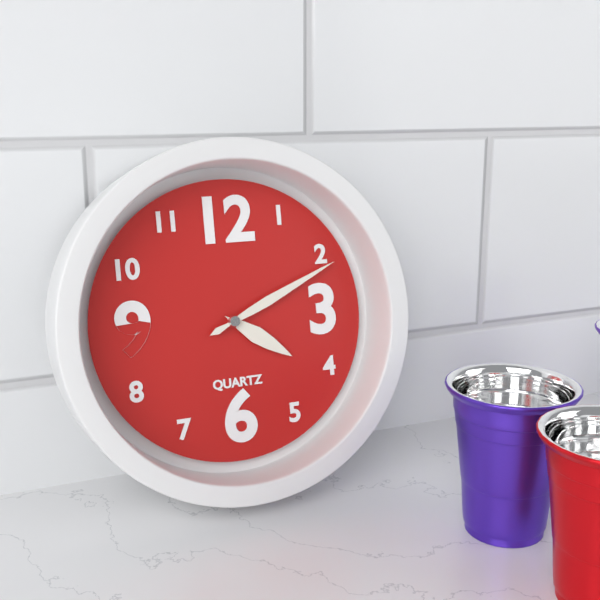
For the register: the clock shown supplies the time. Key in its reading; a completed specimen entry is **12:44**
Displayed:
**4:11**
